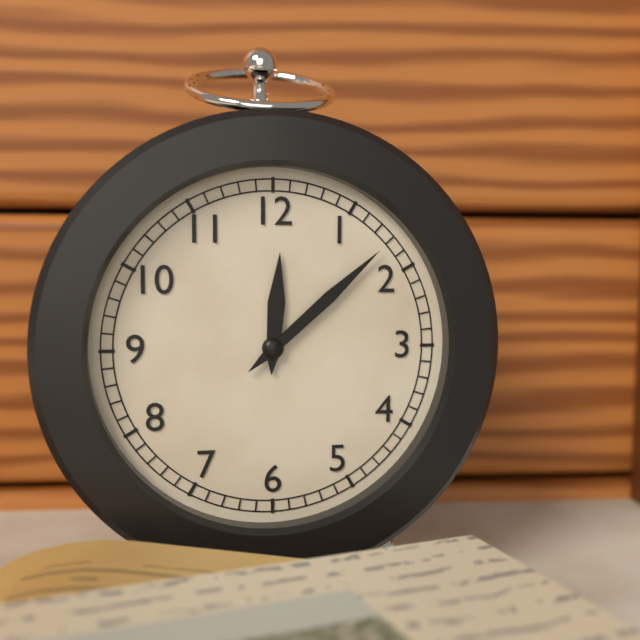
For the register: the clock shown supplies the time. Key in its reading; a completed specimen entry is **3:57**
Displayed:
**12:08**
